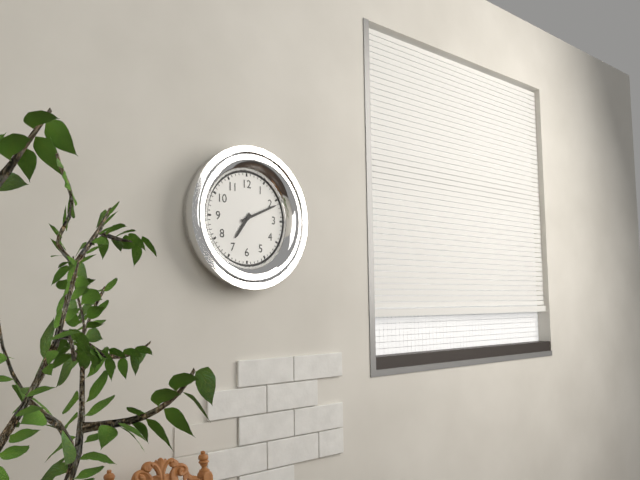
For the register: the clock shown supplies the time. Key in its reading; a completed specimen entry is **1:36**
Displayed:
**7:11**
